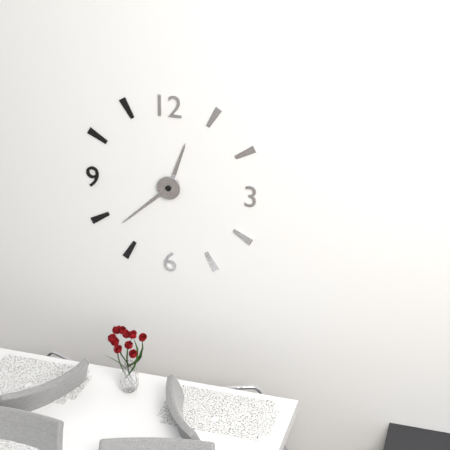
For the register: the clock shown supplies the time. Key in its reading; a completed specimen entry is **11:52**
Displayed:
**12:38**
